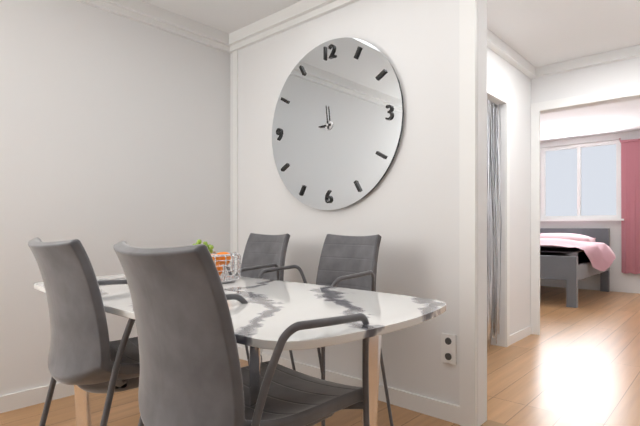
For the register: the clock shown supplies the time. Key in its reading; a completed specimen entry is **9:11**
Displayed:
**8:59**
